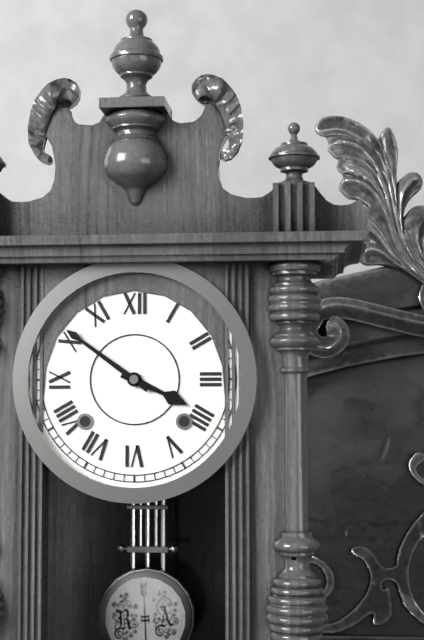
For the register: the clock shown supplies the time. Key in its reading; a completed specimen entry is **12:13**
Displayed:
**3:51**
